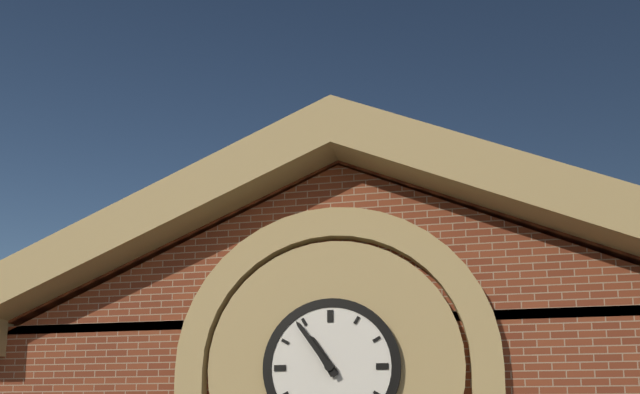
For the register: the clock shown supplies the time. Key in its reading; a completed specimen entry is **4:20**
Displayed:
**10:54**
